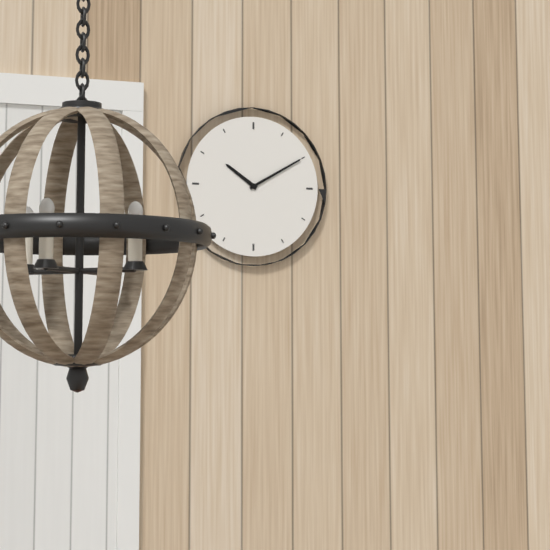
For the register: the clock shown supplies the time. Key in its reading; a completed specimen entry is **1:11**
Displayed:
**10:10**
